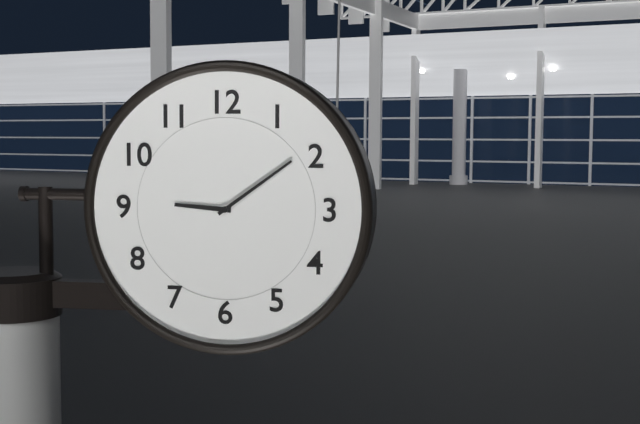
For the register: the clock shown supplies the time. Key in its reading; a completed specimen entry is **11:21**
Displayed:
**9:09**
